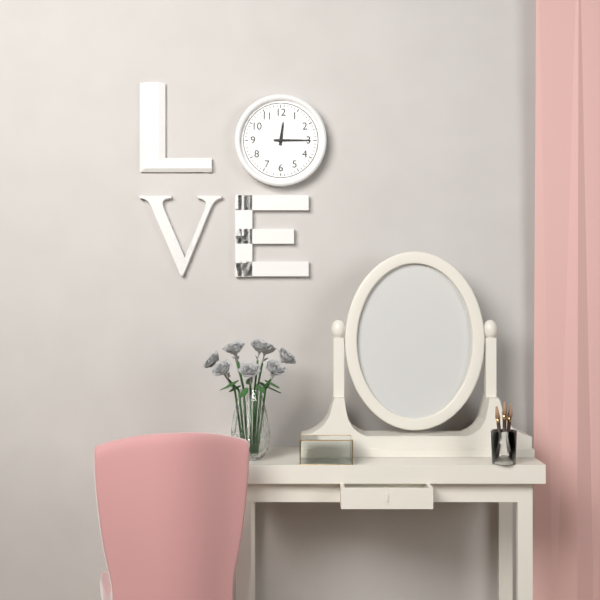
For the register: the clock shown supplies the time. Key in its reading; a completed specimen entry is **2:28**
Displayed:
**12:15**
